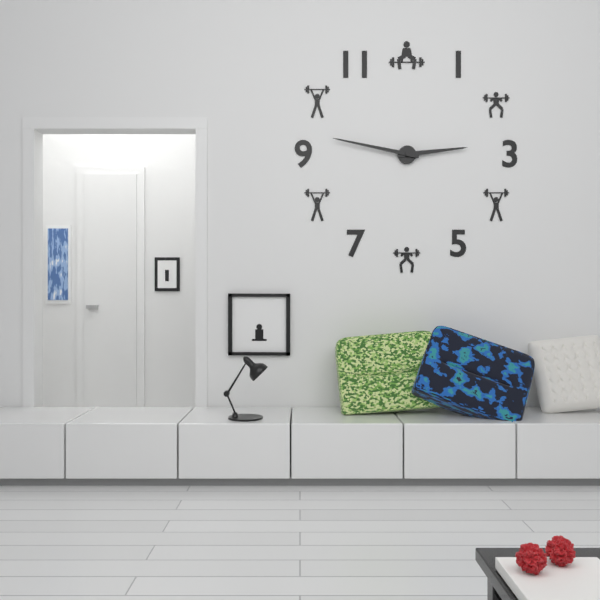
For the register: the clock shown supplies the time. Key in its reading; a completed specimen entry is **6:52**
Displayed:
**2:47**
